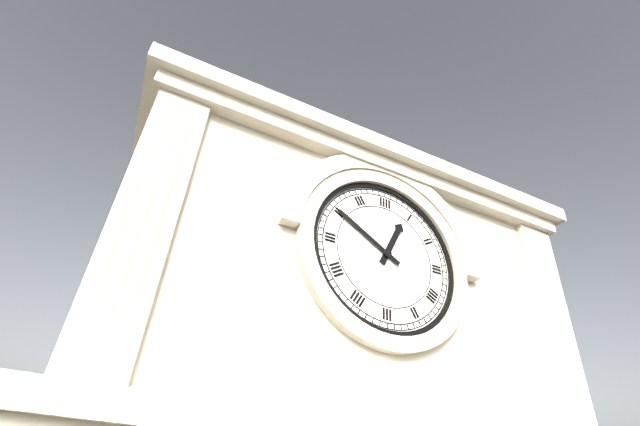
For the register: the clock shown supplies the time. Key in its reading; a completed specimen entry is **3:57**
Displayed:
**12:50**
